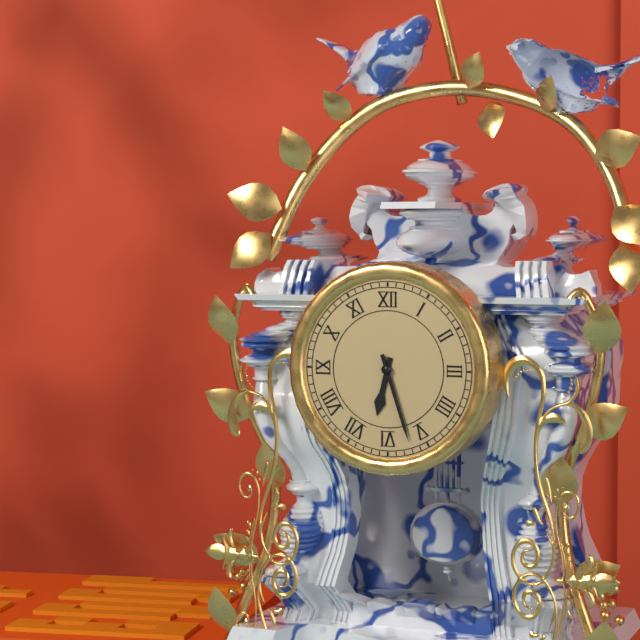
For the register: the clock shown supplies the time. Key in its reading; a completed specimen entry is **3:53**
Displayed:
**6:27**
